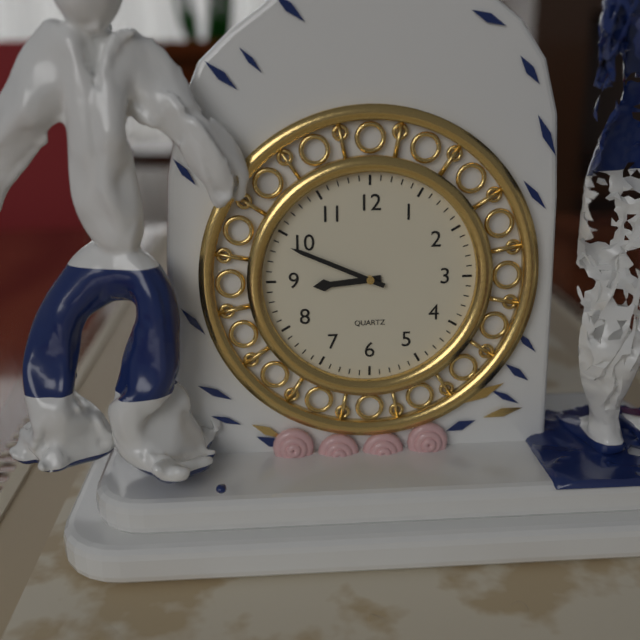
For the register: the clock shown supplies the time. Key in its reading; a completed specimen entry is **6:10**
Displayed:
**8:49**
